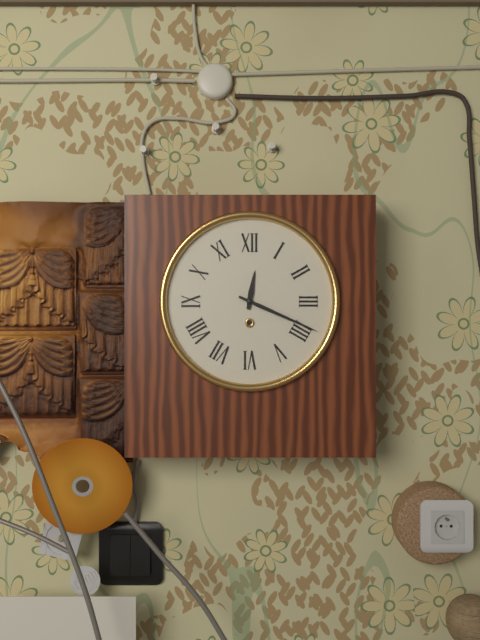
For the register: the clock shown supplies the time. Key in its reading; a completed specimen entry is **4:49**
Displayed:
**12:19**
